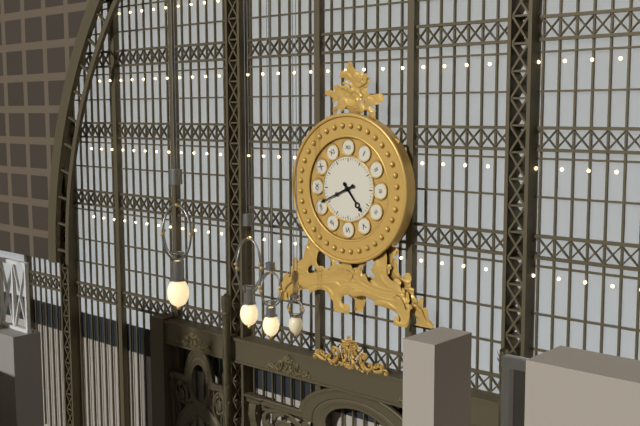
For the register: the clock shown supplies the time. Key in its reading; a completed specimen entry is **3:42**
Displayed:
**4:41**
